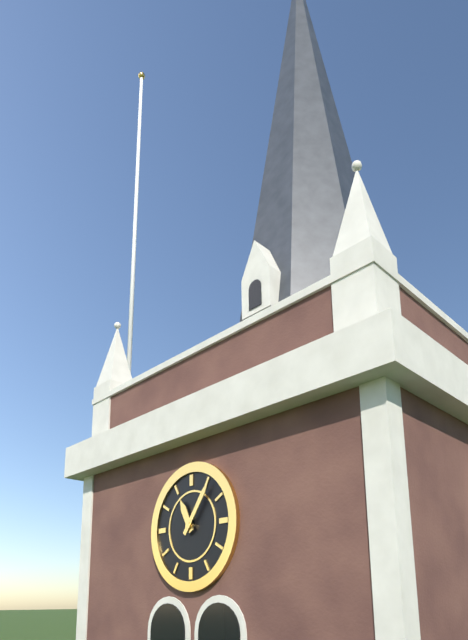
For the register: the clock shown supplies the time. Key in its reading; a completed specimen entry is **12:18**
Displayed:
**11:06**
